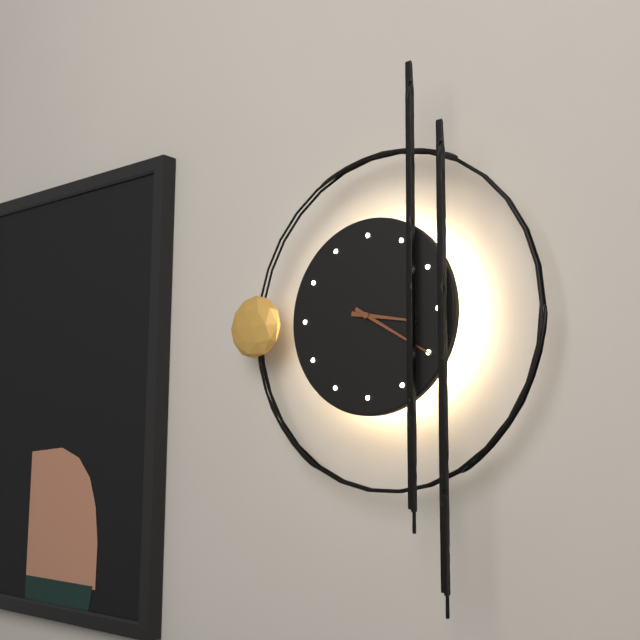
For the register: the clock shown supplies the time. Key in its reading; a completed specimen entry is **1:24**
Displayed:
**3:20**
